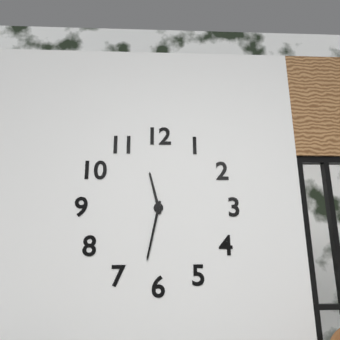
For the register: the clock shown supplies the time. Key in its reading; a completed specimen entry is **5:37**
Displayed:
**11:32**
